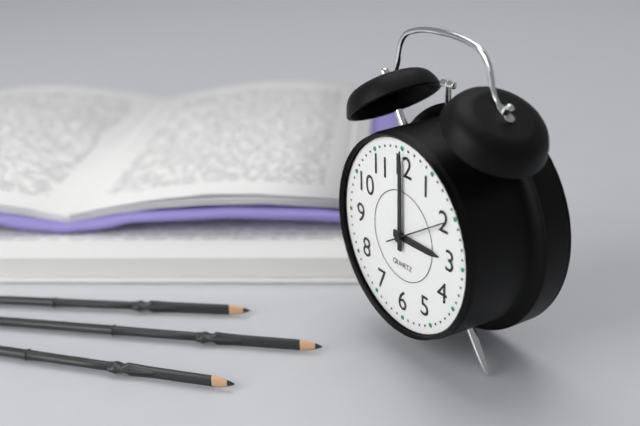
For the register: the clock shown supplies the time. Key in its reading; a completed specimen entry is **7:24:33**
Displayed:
**3:00:10**
